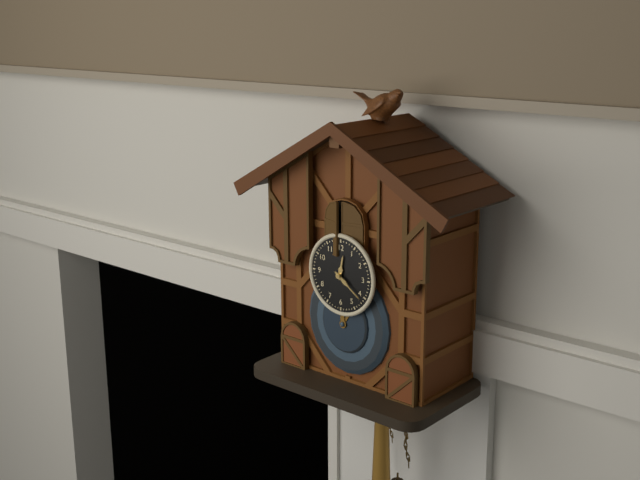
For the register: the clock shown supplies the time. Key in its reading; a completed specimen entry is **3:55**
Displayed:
**12:21**
